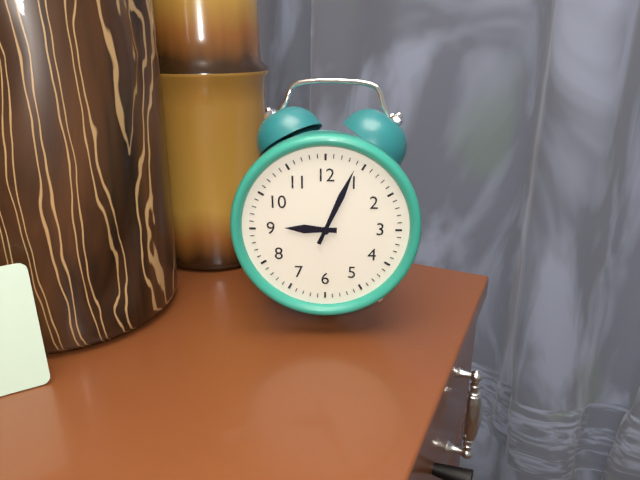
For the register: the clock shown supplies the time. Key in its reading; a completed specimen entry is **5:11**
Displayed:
**9:04**
